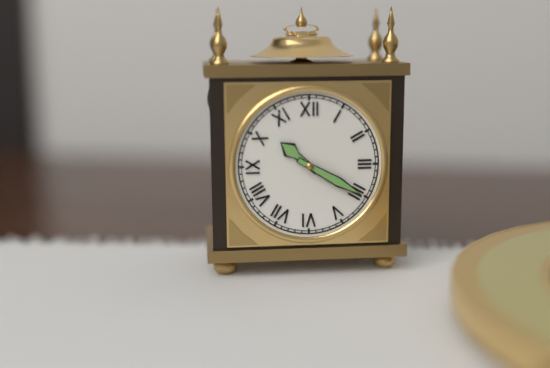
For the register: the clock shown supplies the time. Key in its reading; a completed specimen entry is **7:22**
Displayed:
**10:20**
